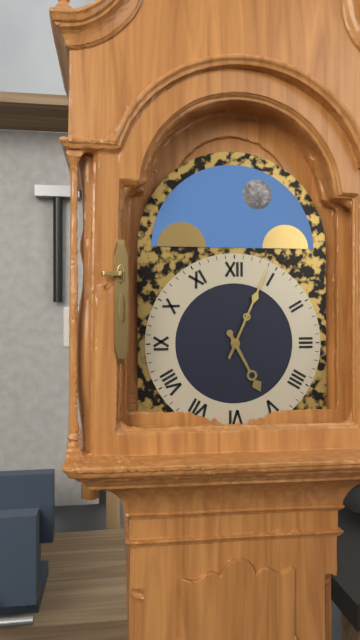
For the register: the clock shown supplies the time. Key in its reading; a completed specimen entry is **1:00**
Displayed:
**5:04**
